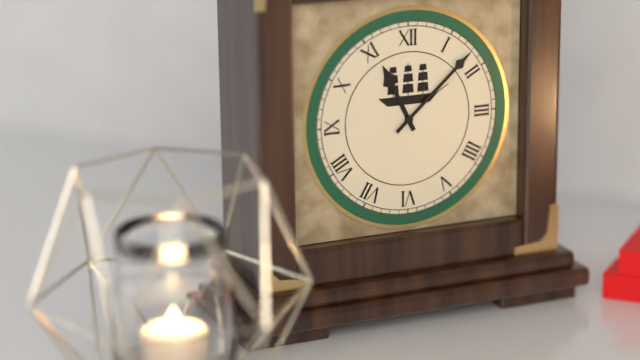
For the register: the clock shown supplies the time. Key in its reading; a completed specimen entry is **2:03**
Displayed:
**11:08**
